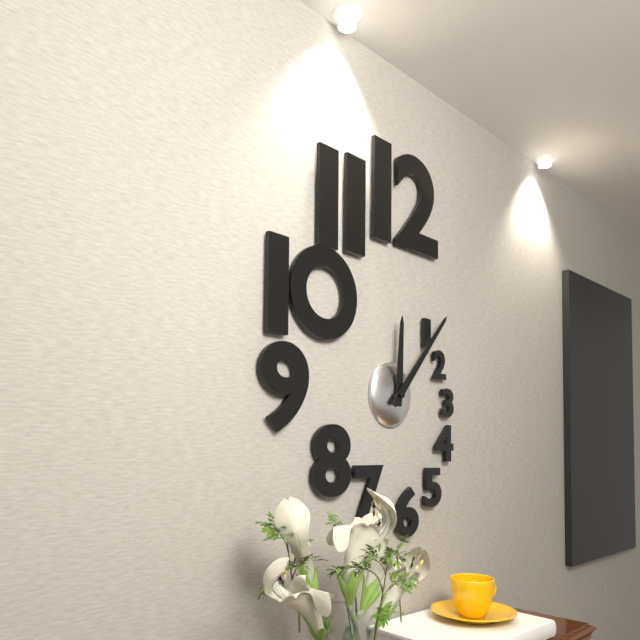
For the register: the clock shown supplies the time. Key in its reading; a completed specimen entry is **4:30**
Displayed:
**12:07**
